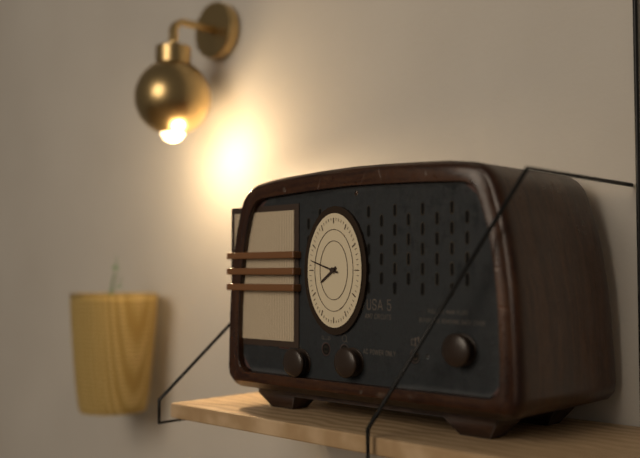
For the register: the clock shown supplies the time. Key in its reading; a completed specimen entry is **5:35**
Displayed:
**7:48**
